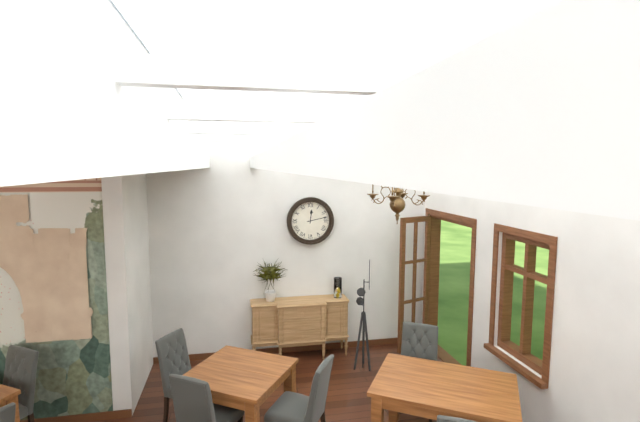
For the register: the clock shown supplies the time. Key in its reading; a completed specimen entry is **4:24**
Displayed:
**12:13**
